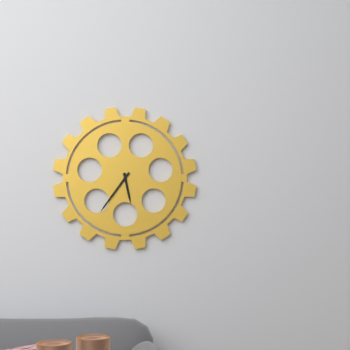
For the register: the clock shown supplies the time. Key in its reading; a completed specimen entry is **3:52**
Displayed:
**5:36**
